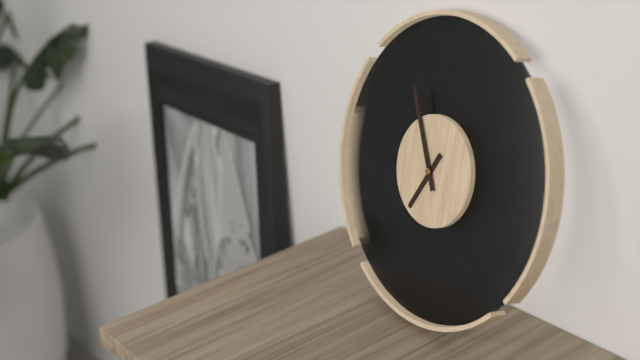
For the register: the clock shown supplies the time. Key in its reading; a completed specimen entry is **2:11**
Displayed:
**6:55**
